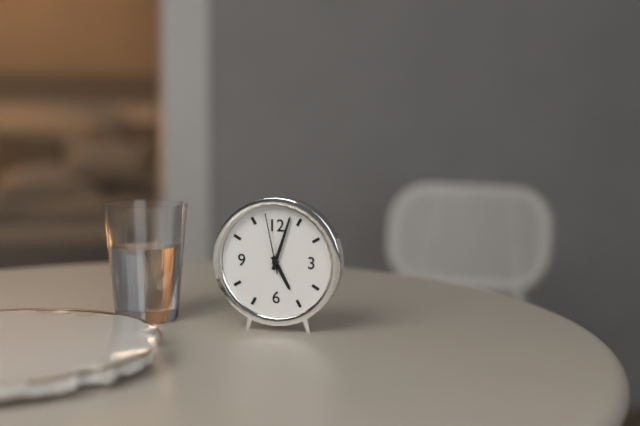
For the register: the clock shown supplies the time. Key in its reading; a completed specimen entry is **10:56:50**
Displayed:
**5:03:58**
